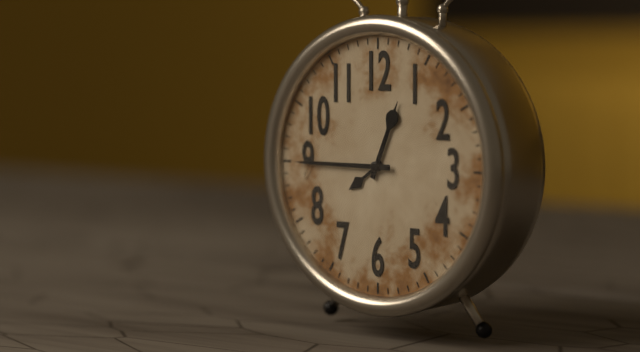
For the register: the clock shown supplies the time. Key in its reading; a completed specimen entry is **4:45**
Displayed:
**12:45**
